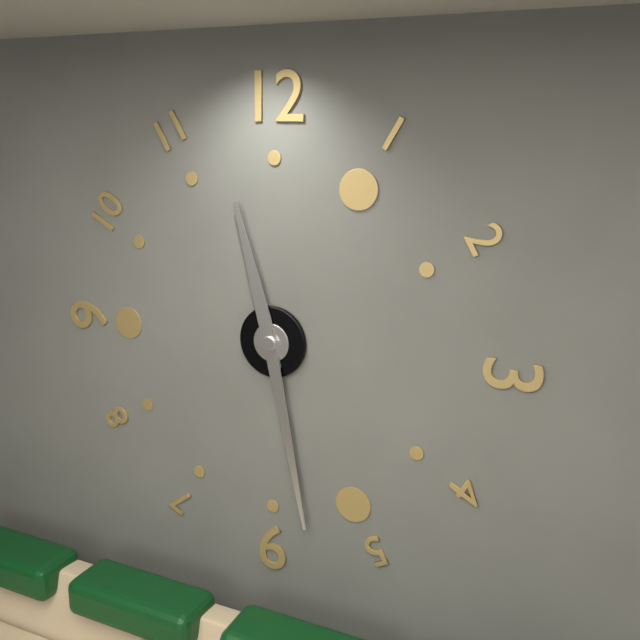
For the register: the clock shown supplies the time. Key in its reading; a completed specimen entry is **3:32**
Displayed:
**11:28**
